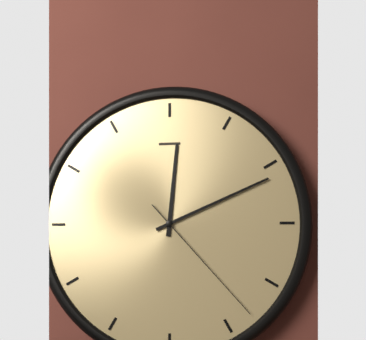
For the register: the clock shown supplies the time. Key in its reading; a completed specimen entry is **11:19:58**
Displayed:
**12:11:23**
